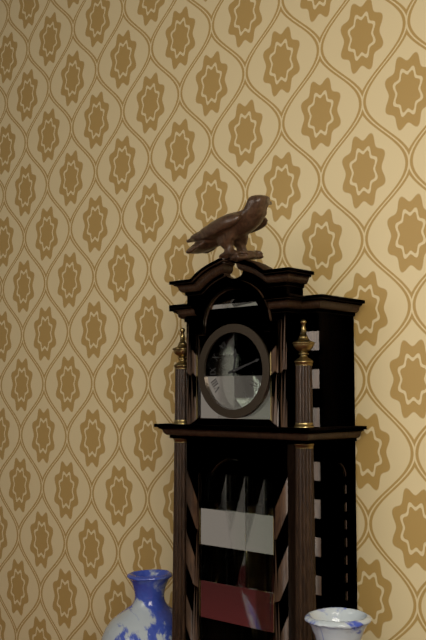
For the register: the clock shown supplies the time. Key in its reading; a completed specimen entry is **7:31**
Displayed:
**12:12**
